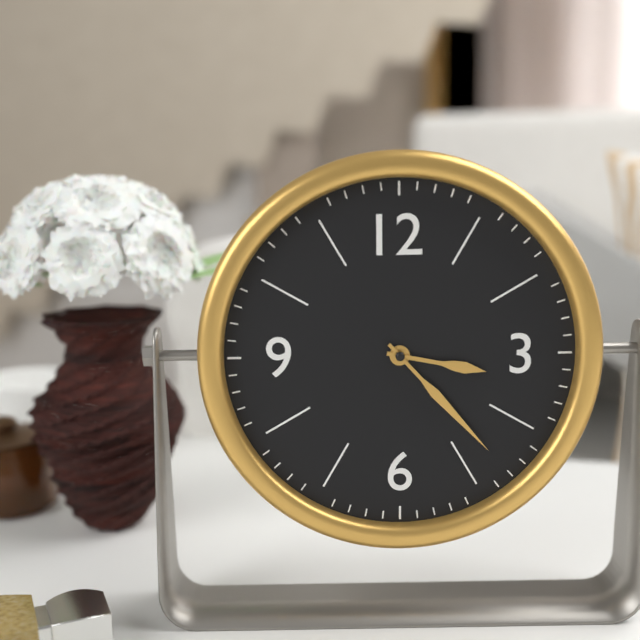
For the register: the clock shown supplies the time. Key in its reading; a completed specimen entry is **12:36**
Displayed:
**3:23**
